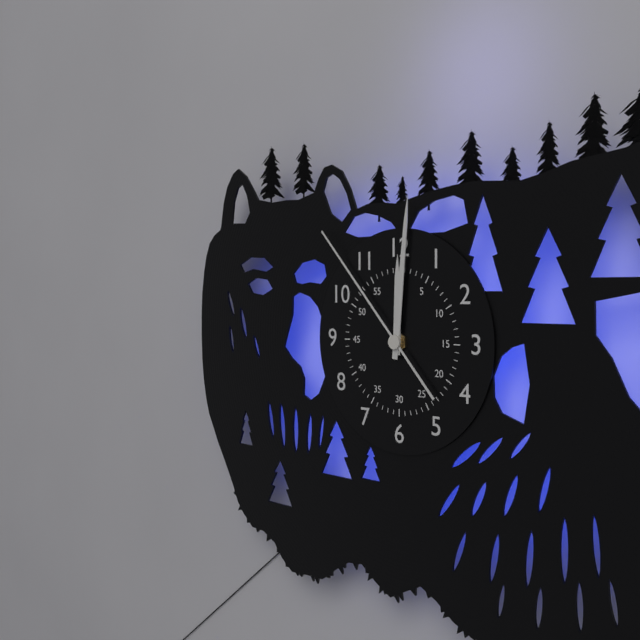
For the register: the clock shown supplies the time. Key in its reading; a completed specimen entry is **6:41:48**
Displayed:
**12:01:53**
